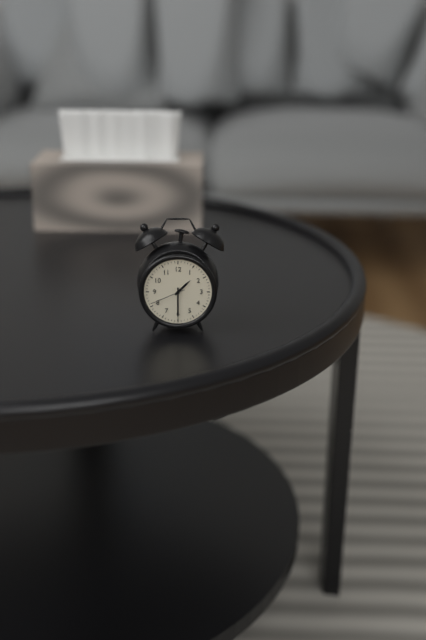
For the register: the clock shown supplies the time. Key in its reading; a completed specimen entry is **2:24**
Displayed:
**1:30**
